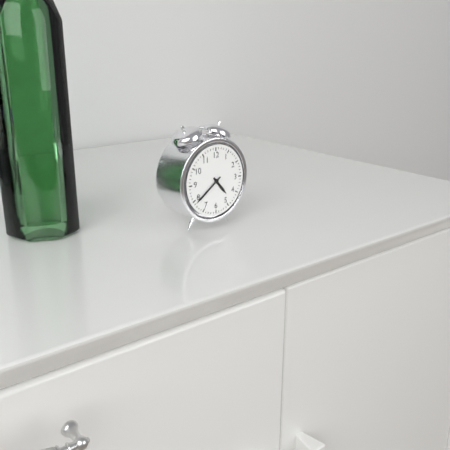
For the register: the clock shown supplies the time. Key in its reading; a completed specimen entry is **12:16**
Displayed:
**4:39**
